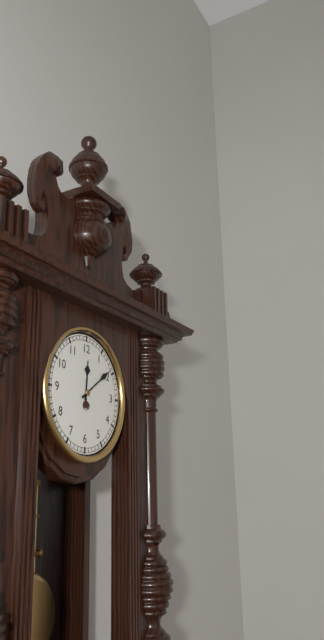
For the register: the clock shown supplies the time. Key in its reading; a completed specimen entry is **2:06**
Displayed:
**12:09**
